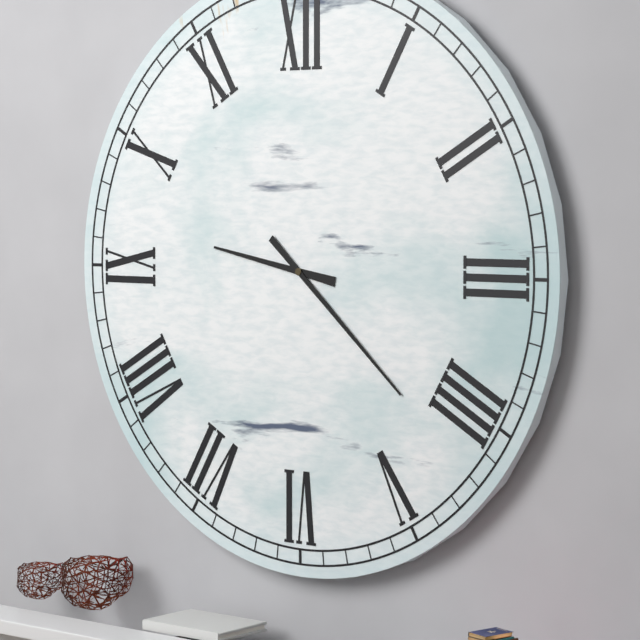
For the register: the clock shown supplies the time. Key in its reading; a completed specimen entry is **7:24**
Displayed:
**9:22**
